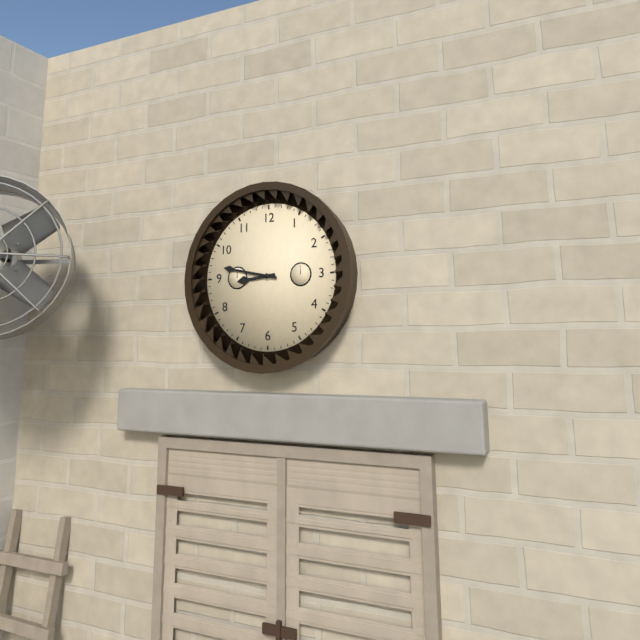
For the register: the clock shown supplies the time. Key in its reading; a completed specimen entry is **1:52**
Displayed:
**8:47**
